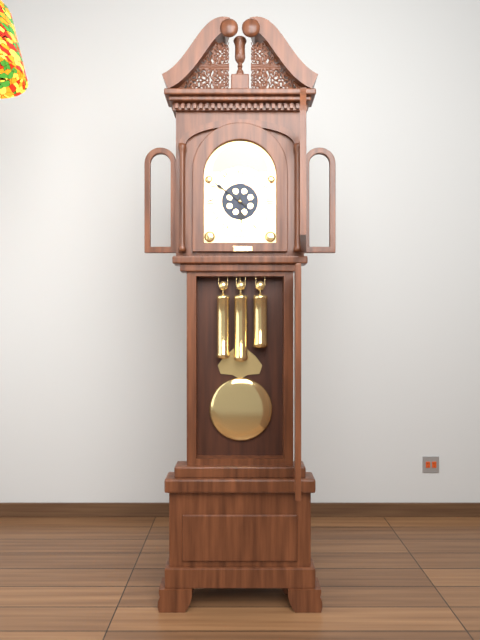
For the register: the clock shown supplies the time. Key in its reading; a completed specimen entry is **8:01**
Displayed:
**5:51**
